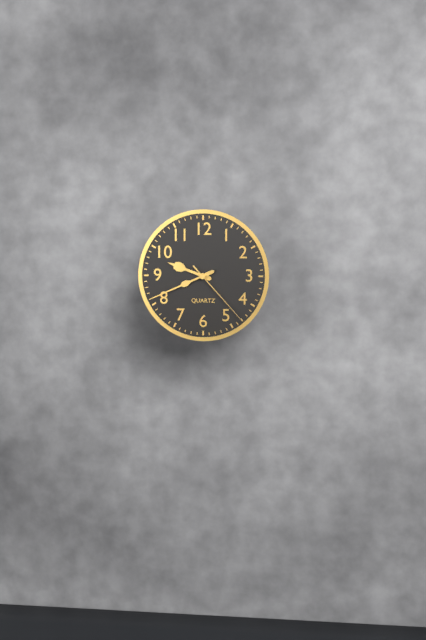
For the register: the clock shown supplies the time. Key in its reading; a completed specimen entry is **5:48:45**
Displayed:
**9:41:23**
